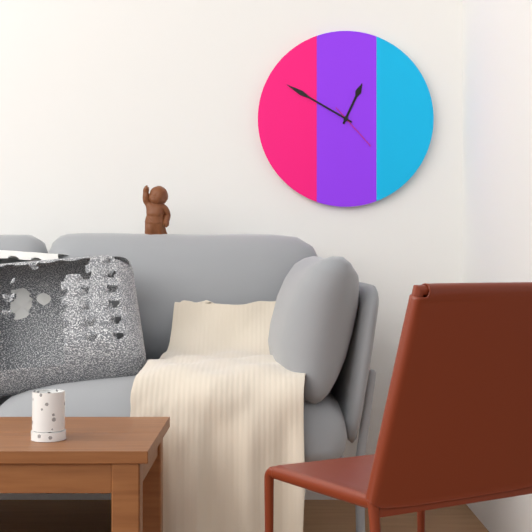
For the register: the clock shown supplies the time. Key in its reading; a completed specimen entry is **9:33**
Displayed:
**12:50**
